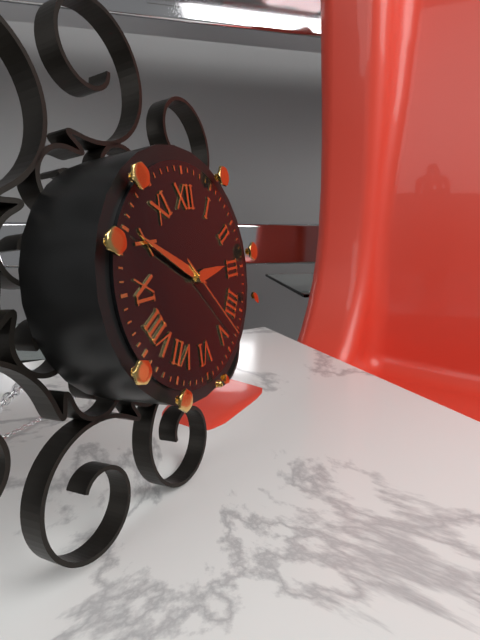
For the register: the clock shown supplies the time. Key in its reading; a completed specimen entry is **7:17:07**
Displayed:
**2:50:23**
